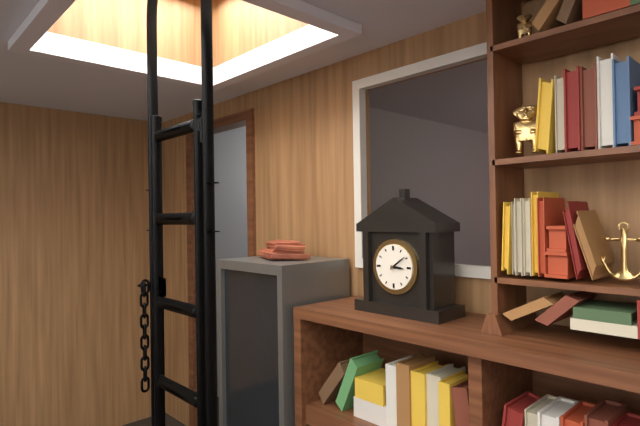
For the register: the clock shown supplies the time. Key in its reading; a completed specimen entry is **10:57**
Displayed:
**3:09**
